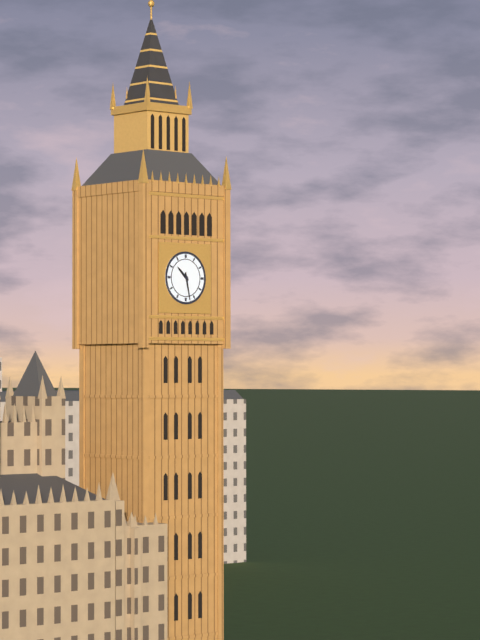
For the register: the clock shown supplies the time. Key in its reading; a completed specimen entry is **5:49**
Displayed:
**10:28**
